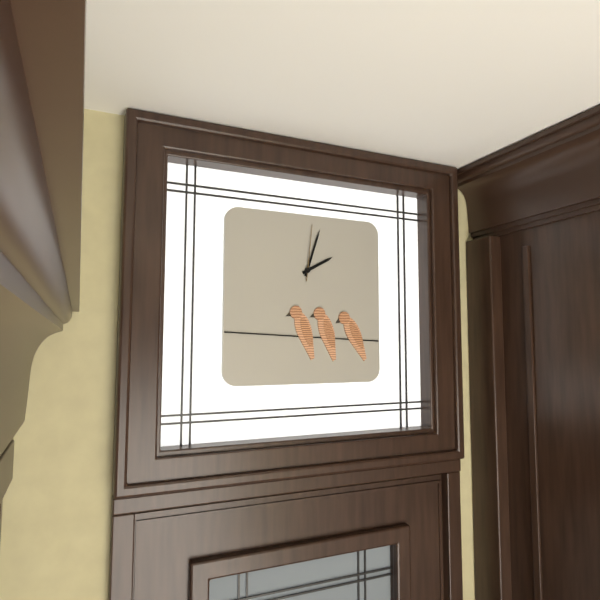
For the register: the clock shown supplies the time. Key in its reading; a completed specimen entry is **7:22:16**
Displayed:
**2:03:01**
